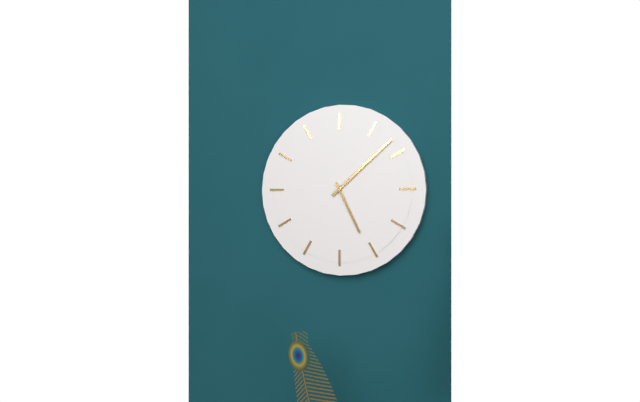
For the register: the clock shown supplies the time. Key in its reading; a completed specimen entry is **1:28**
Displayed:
**5:08**
